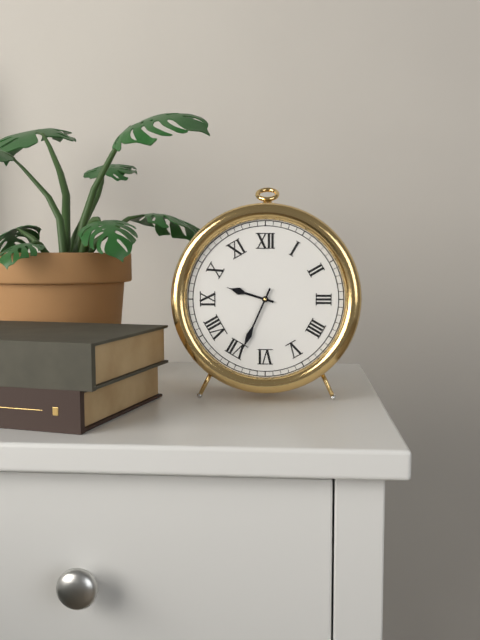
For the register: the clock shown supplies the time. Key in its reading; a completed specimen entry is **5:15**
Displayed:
**9:34**
